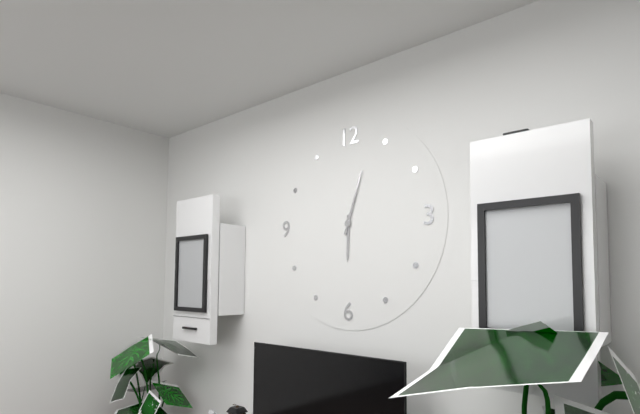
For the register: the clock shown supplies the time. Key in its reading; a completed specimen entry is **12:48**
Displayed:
**6:03**
